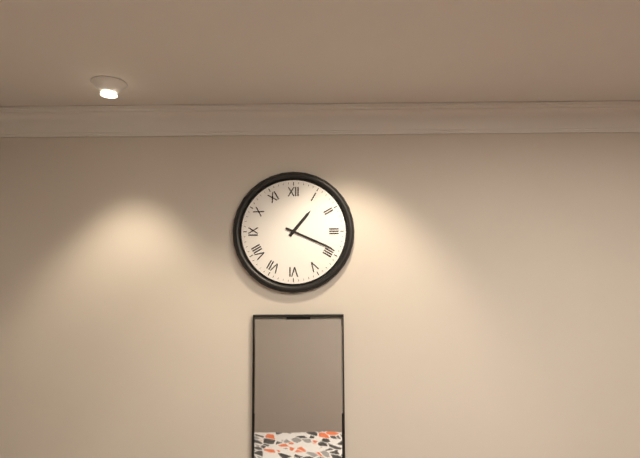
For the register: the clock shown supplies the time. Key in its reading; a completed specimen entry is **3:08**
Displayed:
**1:19**
